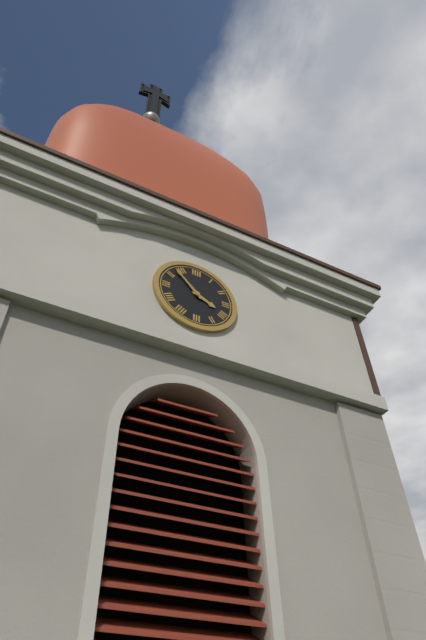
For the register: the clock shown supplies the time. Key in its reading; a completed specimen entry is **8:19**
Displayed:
**3:53**
